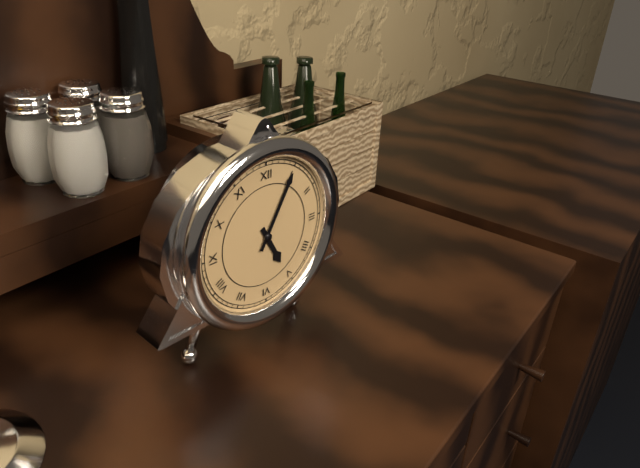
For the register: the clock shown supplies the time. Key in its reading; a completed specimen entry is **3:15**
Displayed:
**5:05**
